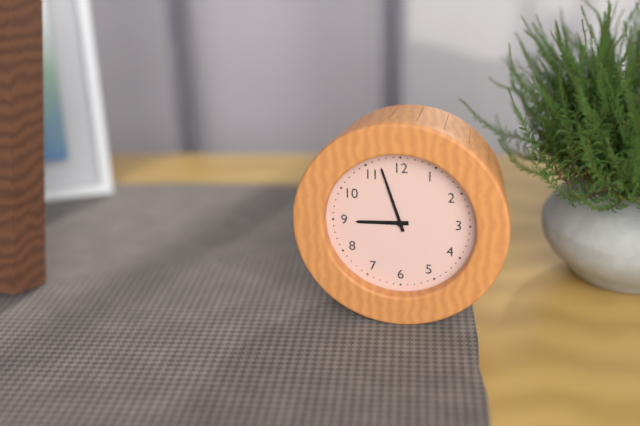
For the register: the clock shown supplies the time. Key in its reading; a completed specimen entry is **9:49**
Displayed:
**8:57**
